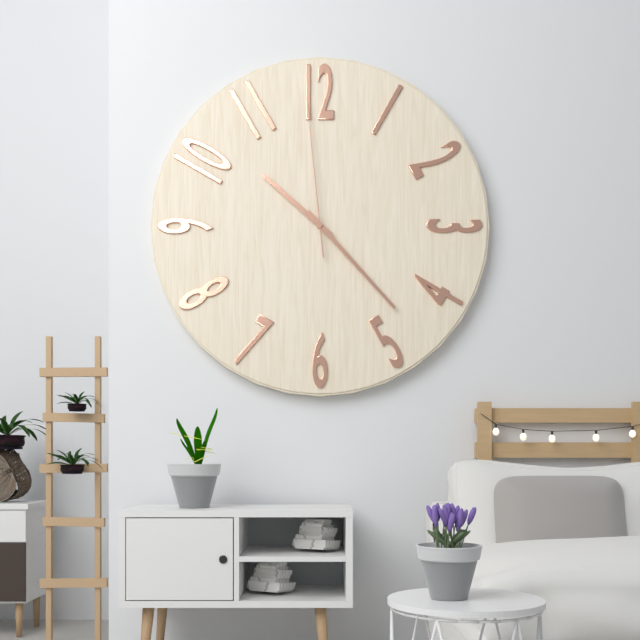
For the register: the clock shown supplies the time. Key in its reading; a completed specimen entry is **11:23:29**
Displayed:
**10:23:59**
